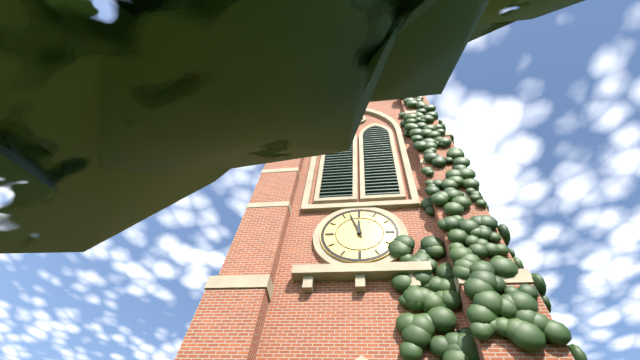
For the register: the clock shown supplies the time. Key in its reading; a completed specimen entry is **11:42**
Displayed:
**11:57**
